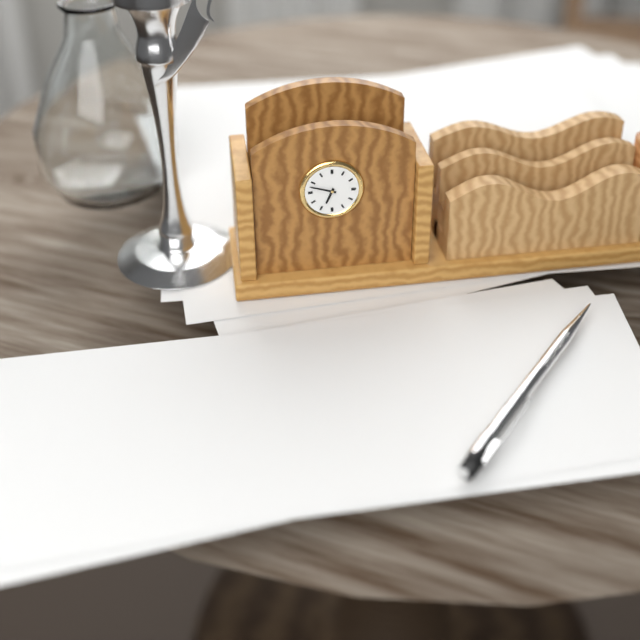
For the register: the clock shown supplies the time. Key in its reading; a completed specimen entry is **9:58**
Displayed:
**6:48**
